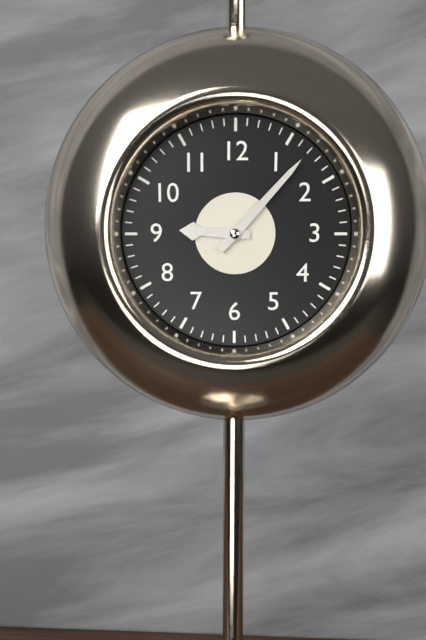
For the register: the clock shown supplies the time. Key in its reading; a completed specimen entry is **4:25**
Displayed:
**9:07**
